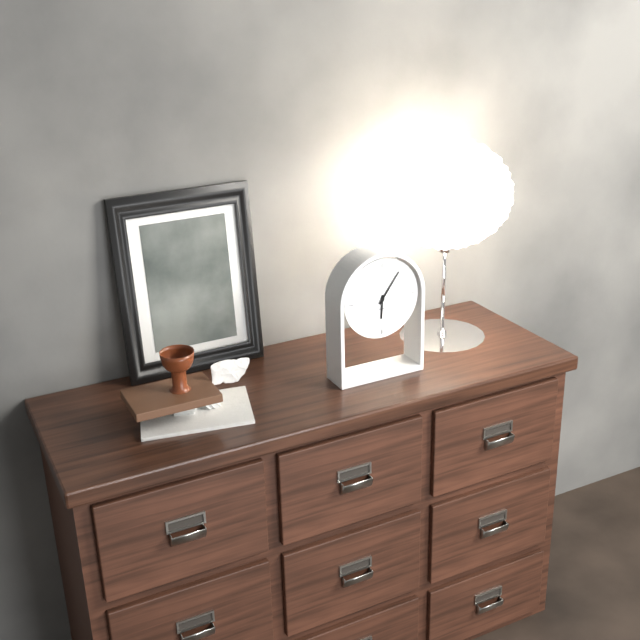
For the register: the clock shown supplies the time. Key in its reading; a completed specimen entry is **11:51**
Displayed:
**6:06**
